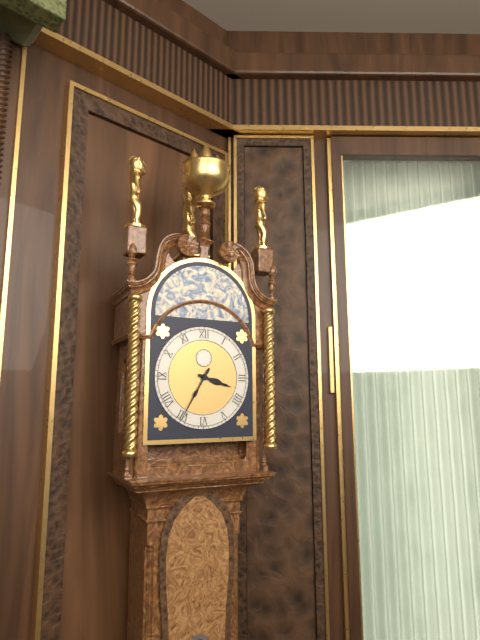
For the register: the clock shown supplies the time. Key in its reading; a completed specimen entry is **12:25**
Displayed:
**3:35**
